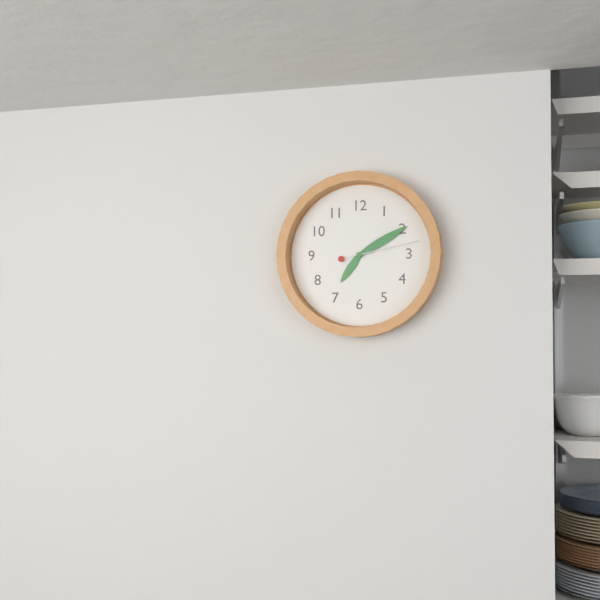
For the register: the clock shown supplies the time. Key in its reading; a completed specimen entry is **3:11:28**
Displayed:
**7:10:13**
